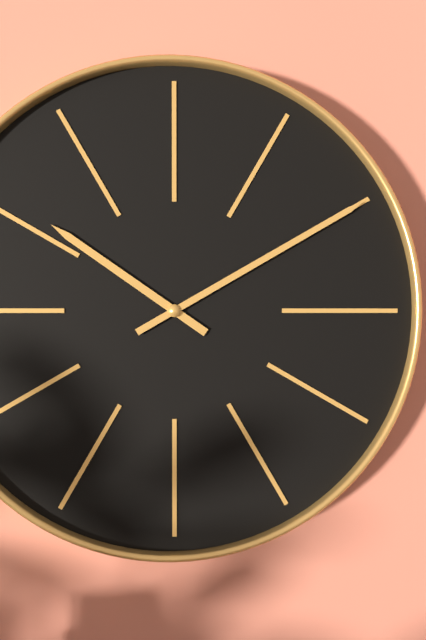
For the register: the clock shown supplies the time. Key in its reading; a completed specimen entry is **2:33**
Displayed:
**10:10**
